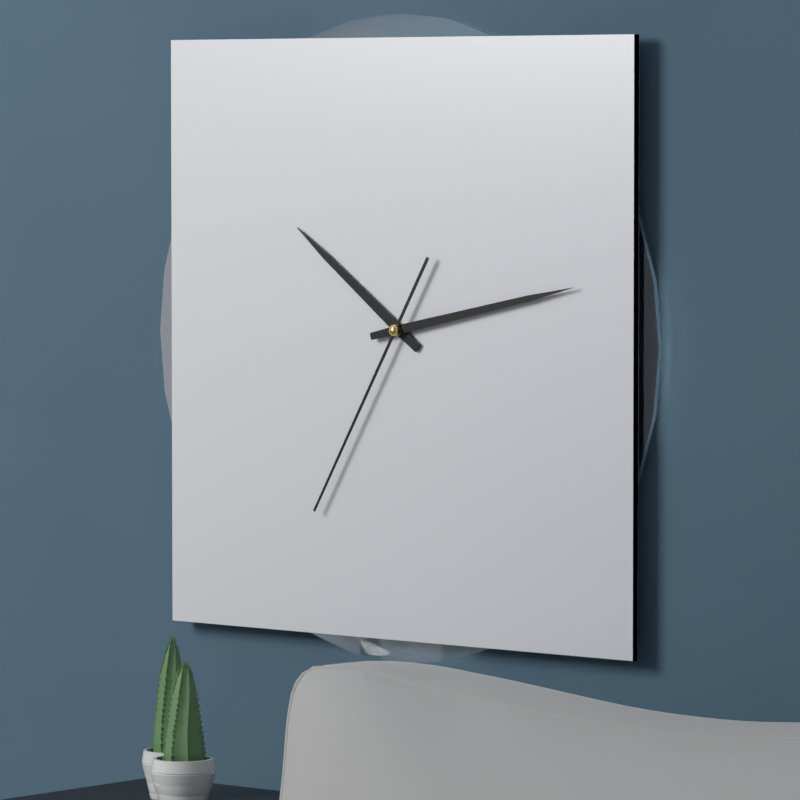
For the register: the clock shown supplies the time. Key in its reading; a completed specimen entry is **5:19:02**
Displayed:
**10:13:35**
